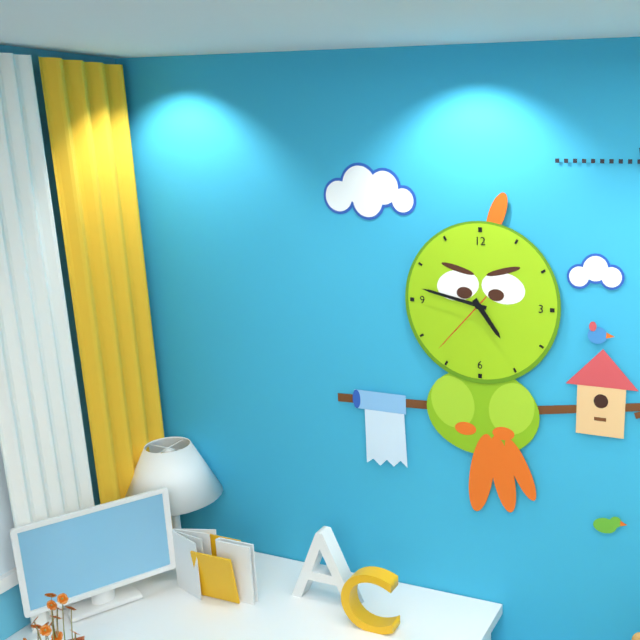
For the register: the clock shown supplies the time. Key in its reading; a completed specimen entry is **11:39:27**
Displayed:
**4:47:37**
